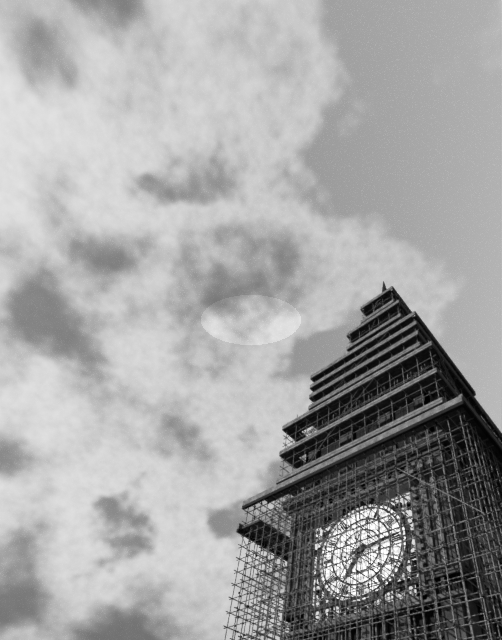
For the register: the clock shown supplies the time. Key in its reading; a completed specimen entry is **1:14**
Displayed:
**7:14**
